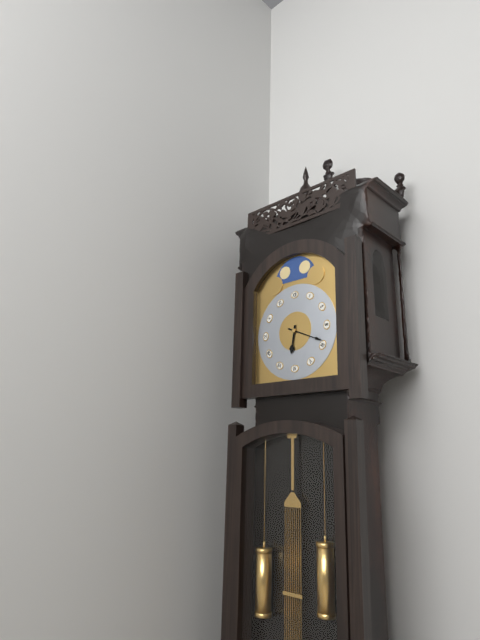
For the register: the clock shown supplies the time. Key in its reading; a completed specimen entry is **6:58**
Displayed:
**6:19**
